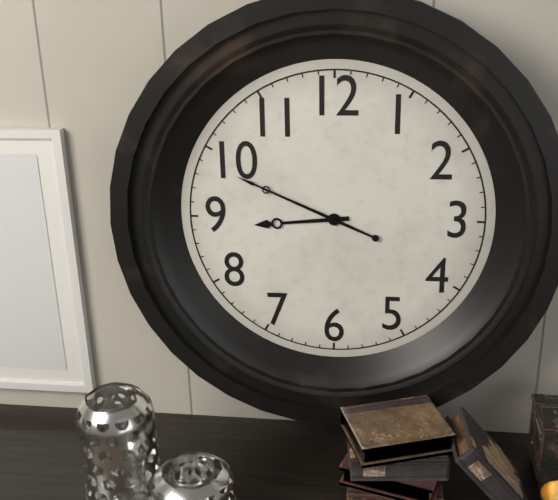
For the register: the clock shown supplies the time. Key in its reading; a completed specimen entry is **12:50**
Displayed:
**8:49**
